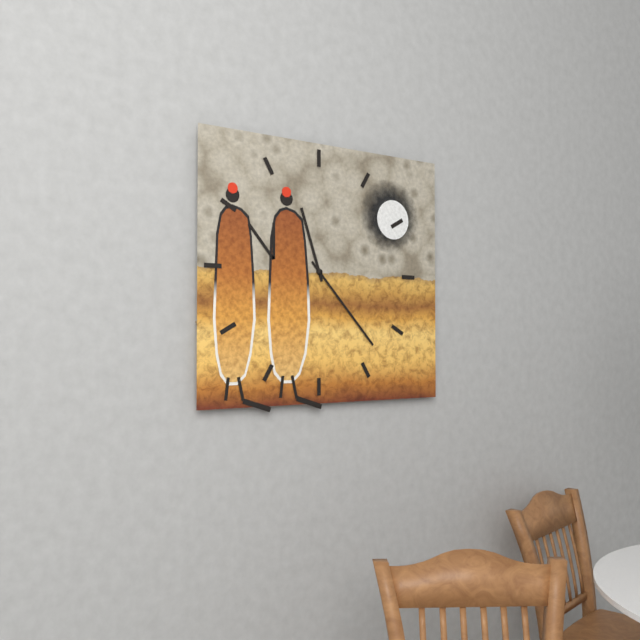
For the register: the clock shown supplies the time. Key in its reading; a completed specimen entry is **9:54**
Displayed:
**11:23**
